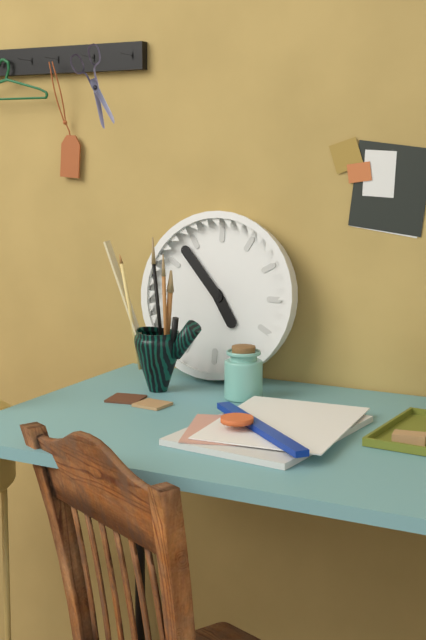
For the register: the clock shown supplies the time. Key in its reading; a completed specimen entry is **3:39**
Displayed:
**4:53**
